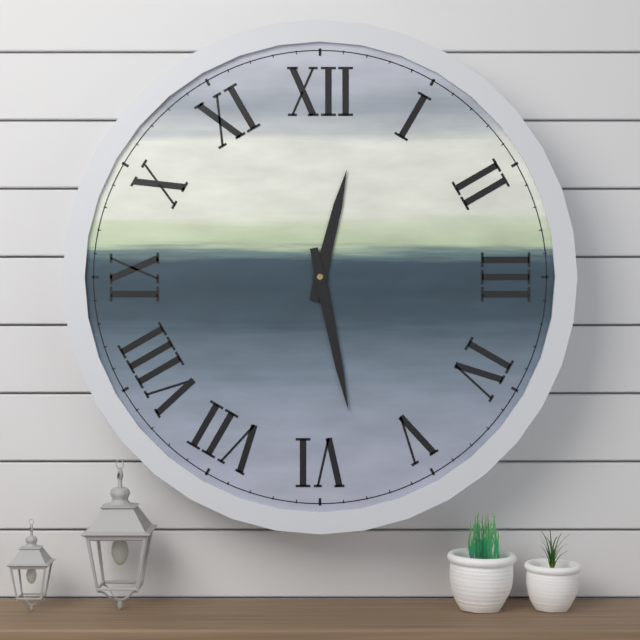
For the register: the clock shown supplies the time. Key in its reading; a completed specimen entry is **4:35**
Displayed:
**12:28**
